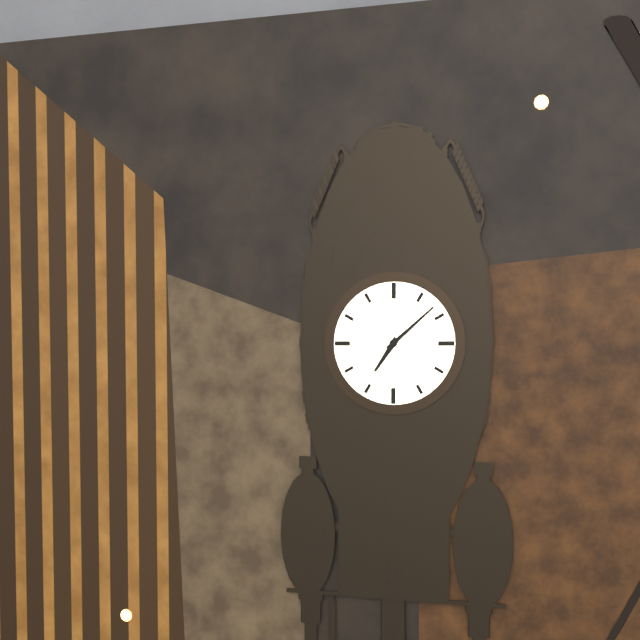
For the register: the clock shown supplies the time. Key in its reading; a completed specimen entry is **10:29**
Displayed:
**7:08**
